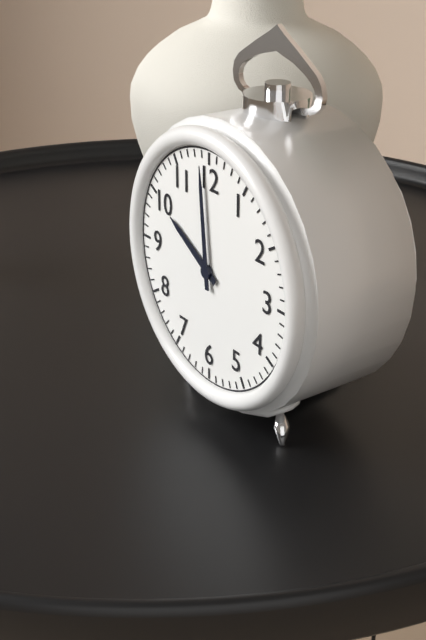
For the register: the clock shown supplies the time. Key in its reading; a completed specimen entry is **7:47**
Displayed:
**9:59**
